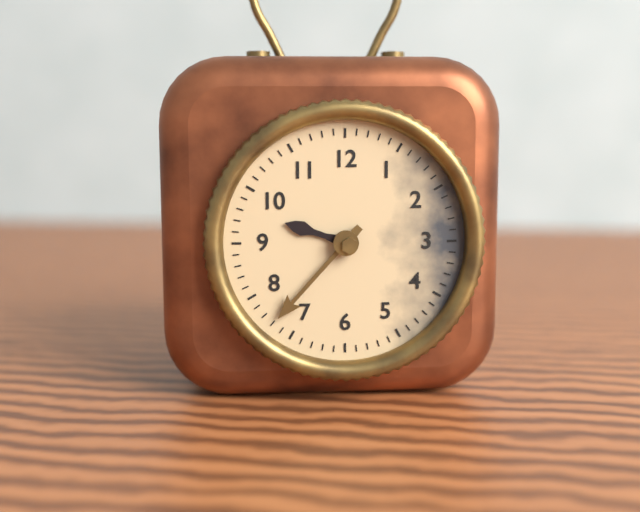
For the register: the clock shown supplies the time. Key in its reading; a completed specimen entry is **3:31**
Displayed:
**9:37**
